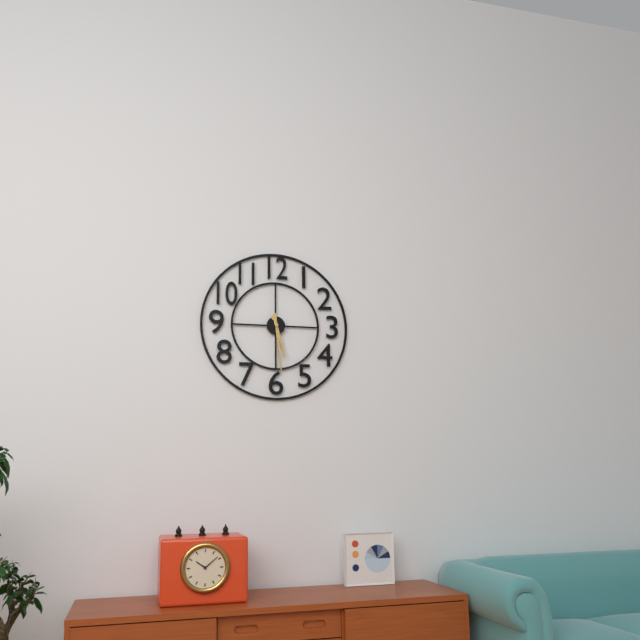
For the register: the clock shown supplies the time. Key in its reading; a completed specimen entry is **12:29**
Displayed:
**5:29**
